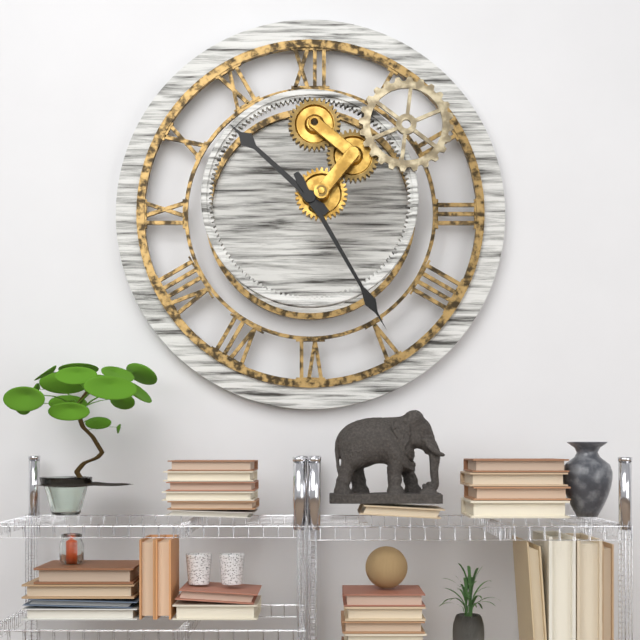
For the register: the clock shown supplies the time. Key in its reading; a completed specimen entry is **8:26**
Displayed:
**10:25**
